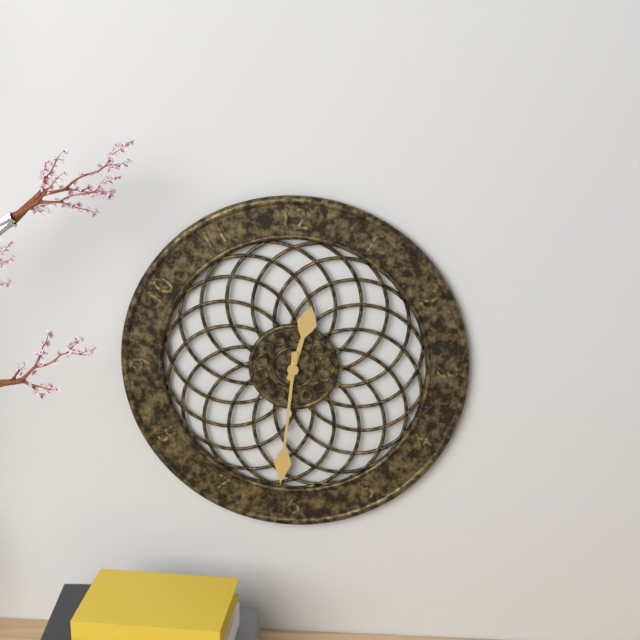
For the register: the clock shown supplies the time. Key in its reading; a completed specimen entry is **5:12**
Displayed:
**12:31**
